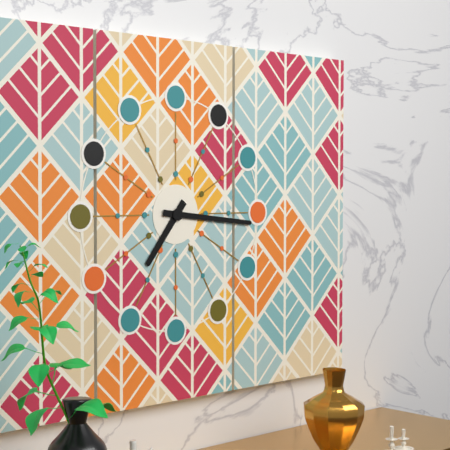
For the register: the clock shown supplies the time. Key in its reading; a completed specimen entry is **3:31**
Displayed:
**7:16**
